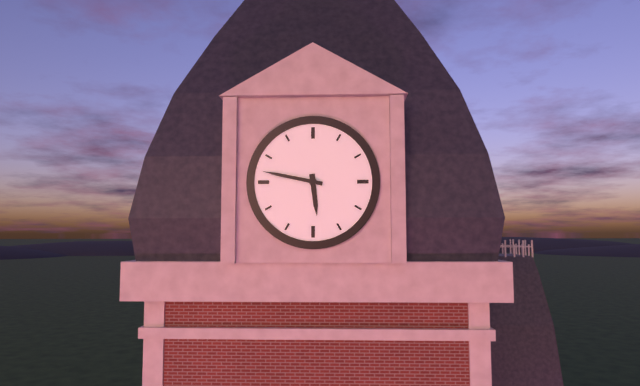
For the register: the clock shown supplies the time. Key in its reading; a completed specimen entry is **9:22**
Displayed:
**5:47**
